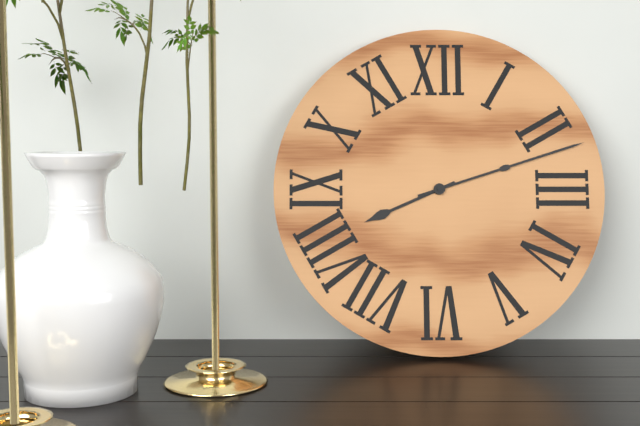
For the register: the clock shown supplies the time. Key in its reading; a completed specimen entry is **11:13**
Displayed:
**8:12**
